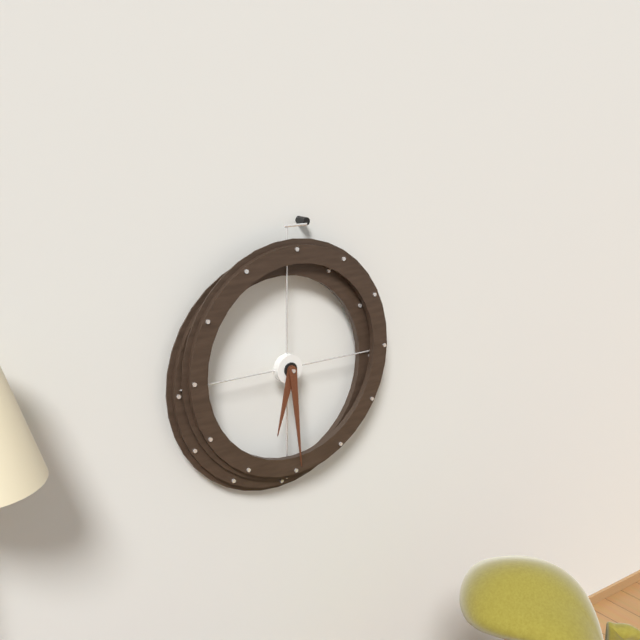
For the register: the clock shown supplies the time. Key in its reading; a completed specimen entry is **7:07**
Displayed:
**6:29**
